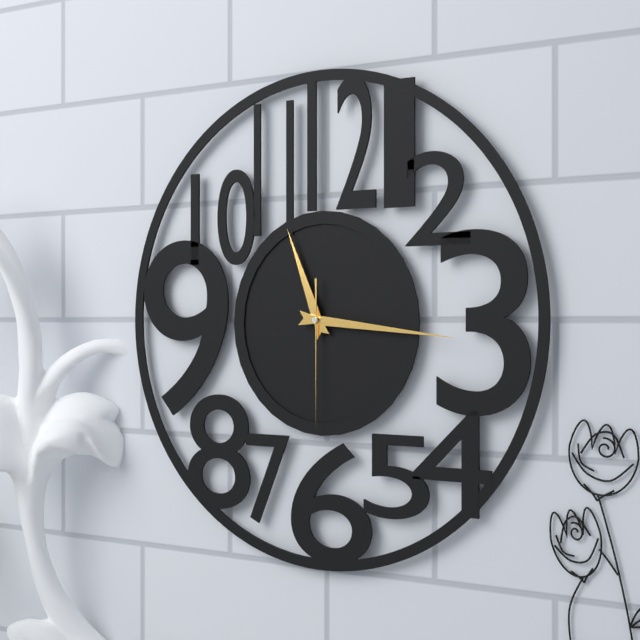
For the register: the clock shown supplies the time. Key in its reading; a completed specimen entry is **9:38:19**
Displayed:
**11:16:30**
